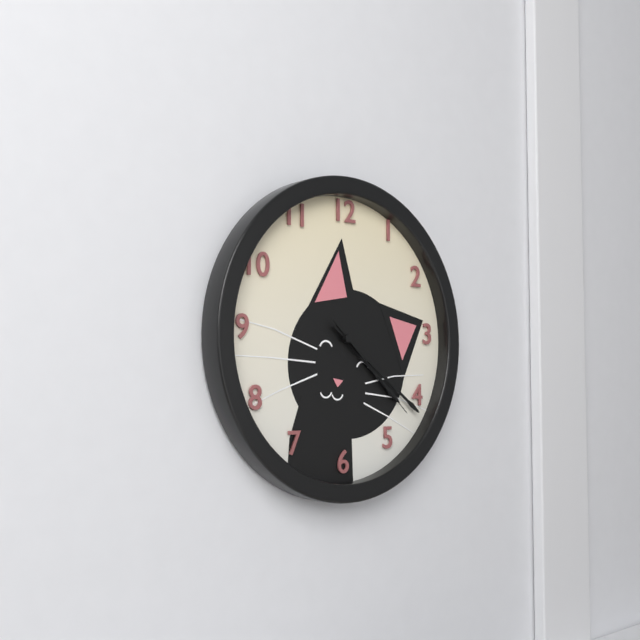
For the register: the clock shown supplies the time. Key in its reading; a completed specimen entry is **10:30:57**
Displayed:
**4:21:22**
